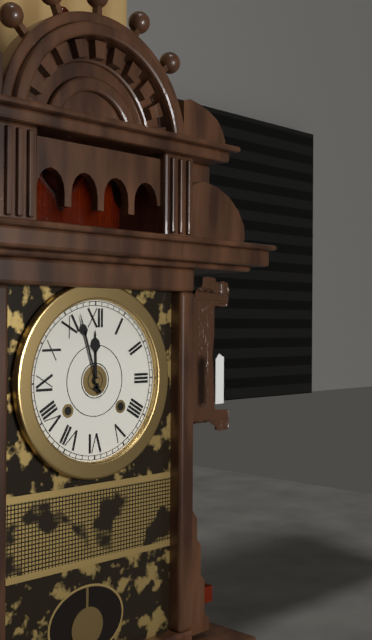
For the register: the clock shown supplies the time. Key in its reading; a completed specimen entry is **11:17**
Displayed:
**11:57**
